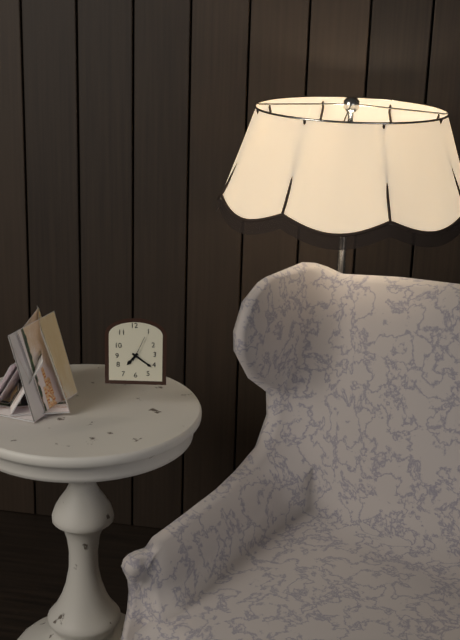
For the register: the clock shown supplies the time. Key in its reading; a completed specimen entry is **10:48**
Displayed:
**7:21**
